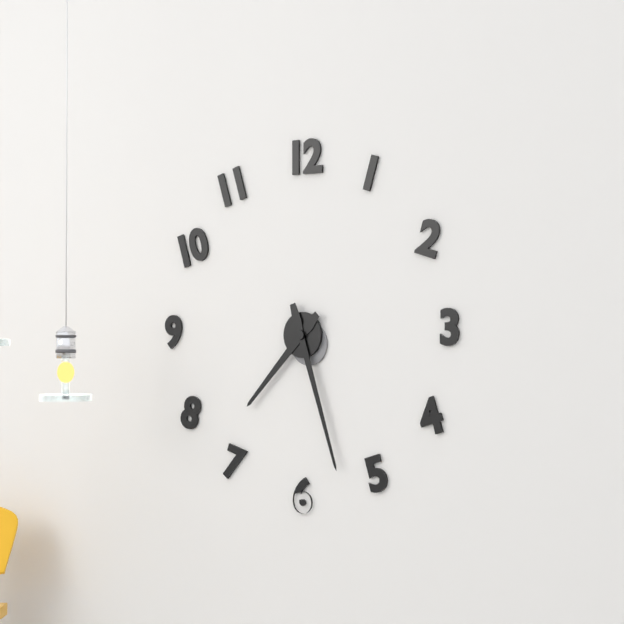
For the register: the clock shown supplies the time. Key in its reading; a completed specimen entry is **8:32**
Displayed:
**7:27**
